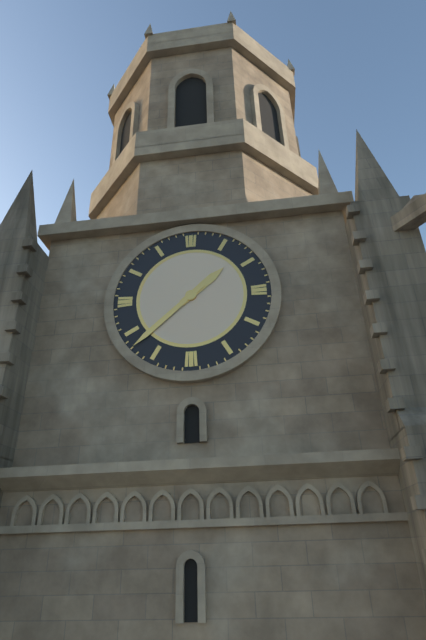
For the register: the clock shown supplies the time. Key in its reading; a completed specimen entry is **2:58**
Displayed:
**1:38**
